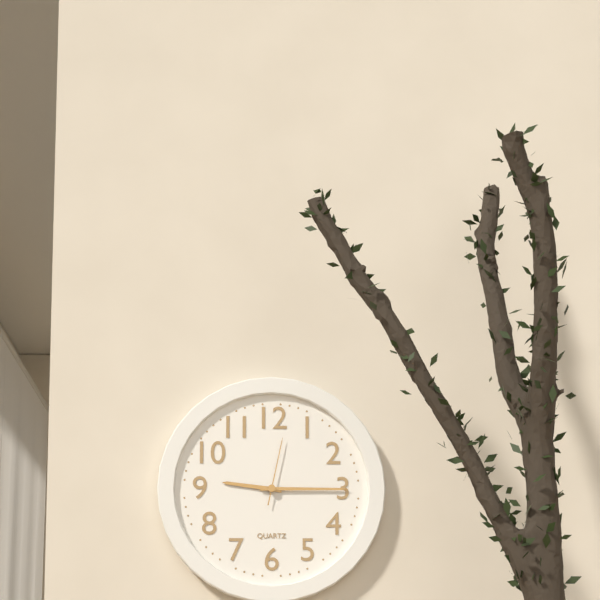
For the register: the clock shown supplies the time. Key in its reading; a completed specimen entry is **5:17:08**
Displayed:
**9:15:02**
